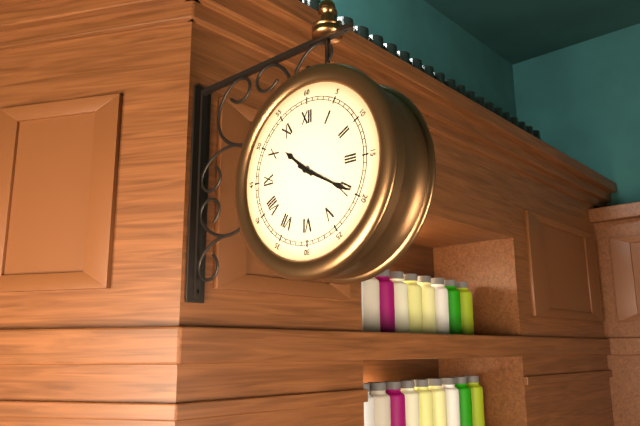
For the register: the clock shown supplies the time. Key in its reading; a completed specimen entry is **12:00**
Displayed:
**10:20**
